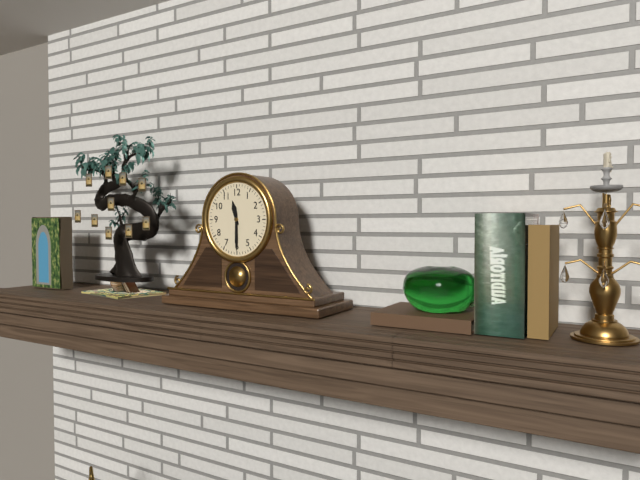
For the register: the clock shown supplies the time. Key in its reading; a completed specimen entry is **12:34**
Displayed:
**11:30**
